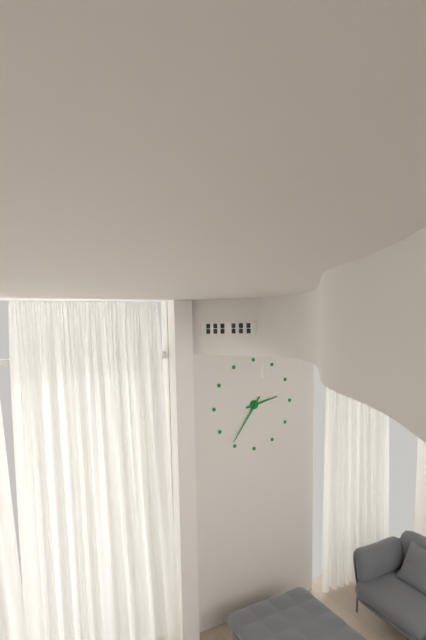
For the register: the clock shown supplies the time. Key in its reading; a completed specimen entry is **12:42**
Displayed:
**2:36**
